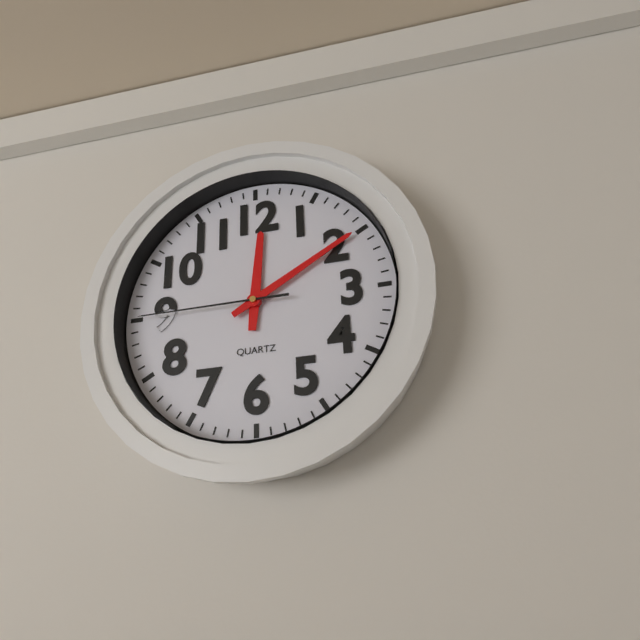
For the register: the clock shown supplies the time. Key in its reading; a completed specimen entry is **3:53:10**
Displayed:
**12:10:45**
